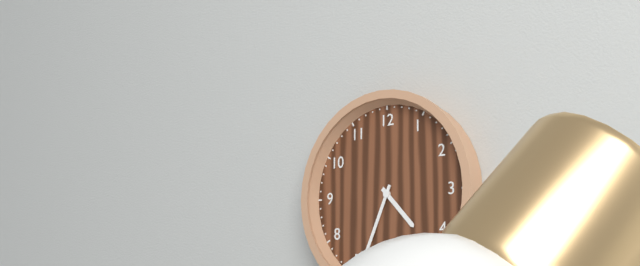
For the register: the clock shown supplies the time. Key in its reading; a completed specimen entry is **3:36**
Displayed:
**4:34**
